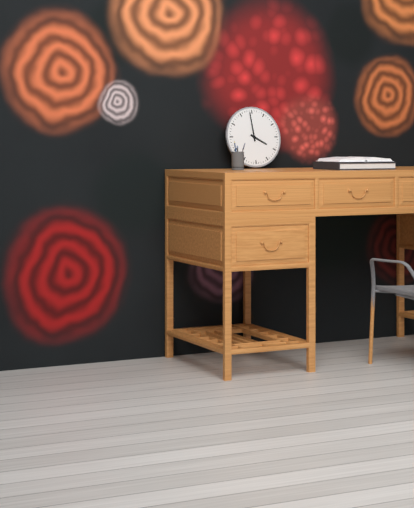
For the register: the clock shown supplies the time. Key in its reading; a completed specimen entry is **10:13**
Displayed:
**3:59**
